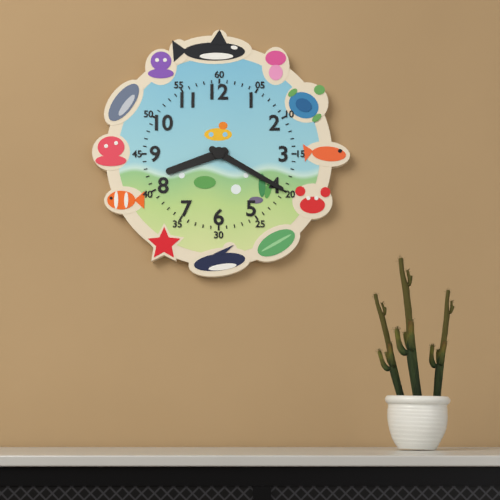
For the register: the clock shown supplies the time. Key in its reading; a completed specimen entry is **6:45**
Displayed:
**8:20**
